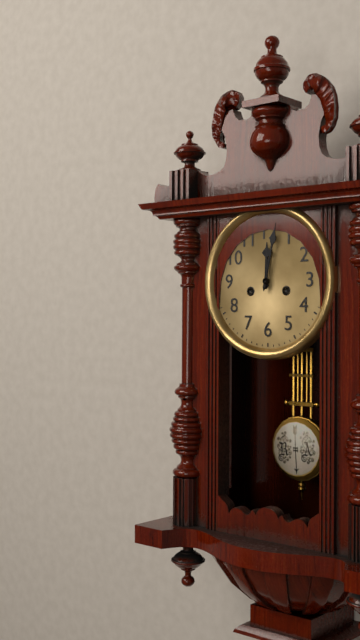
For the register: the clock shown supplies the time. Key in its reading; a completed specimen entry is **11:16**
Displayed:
**12:02**
